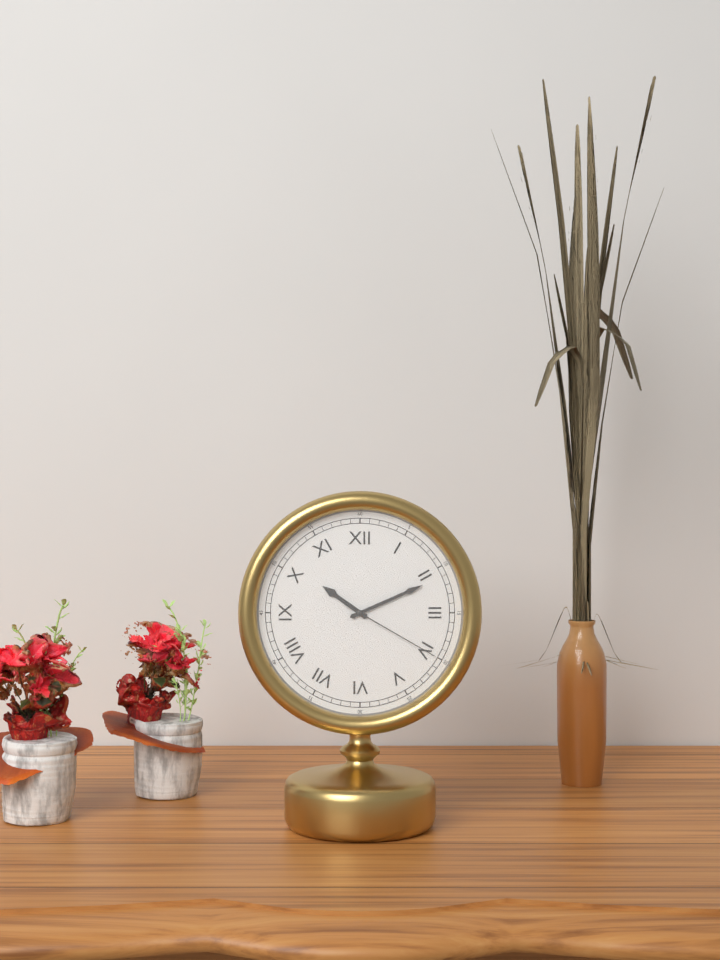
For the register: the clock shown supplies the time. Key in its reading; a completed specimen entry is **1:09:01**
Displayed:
**10:11:20**
